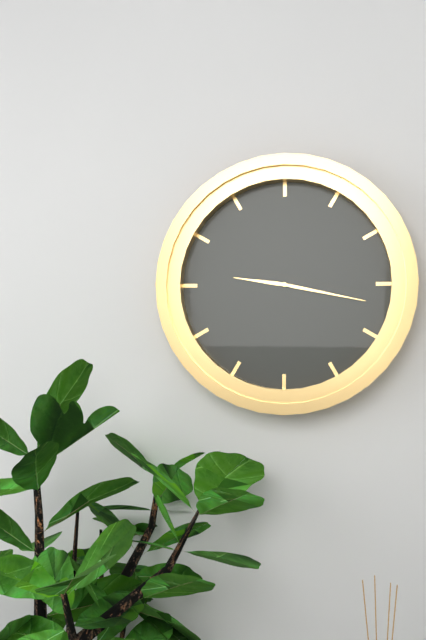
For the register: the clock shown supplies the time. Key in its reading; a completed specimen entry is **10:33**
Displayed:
**9:17**
